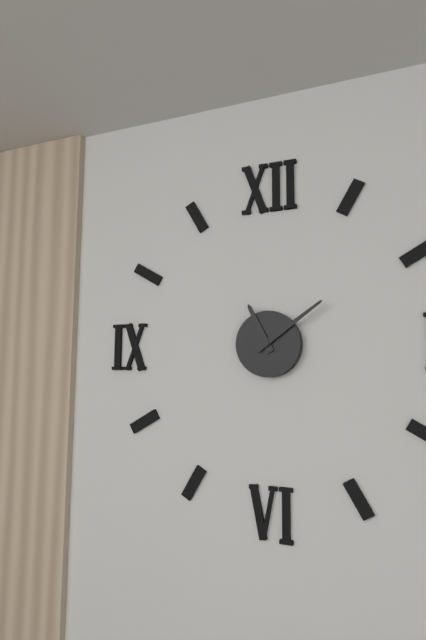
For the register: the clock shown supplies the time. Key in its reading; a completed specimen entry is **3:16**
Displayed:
**11:09**
